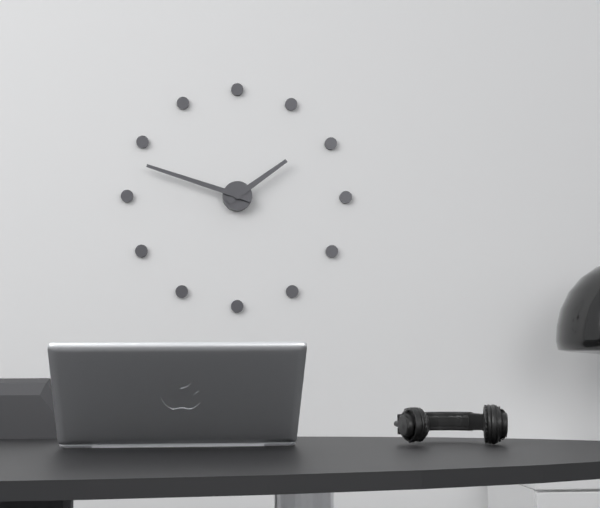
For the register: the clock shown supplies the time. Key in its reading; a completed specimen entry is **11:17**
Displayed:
**1:48**
